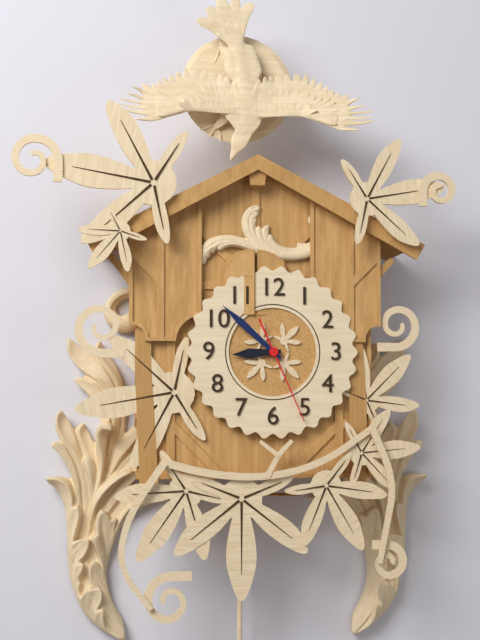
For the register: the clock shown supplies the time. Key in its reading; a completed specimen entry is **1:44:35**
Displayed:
**8:52:26**
